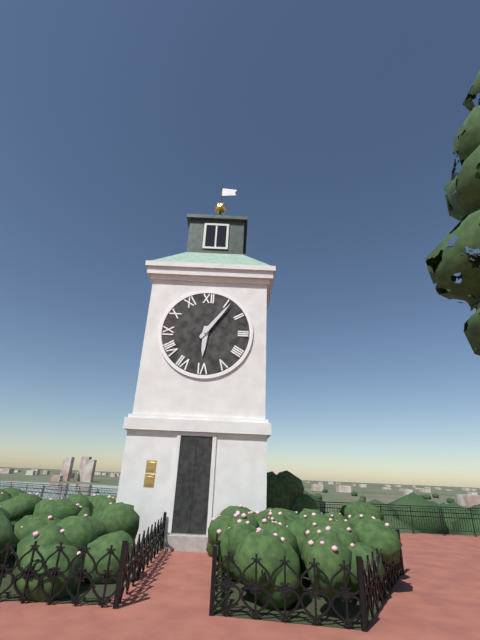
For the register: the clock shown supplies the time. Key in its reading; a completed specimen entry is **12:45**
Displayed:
**6:06**
